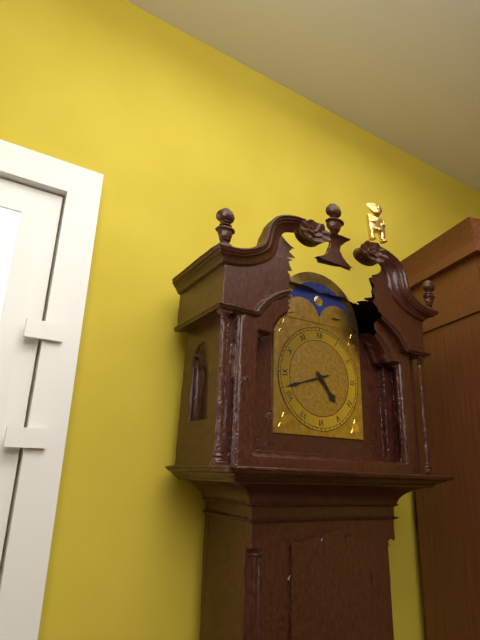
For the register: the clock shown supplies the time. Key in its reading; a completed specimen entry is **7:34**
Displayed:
**4:42**
